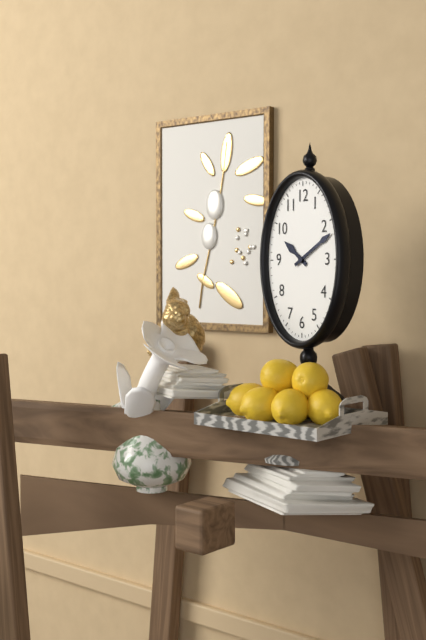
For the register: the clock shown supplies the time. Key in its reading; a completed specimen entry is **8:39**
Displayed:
**10:10**
